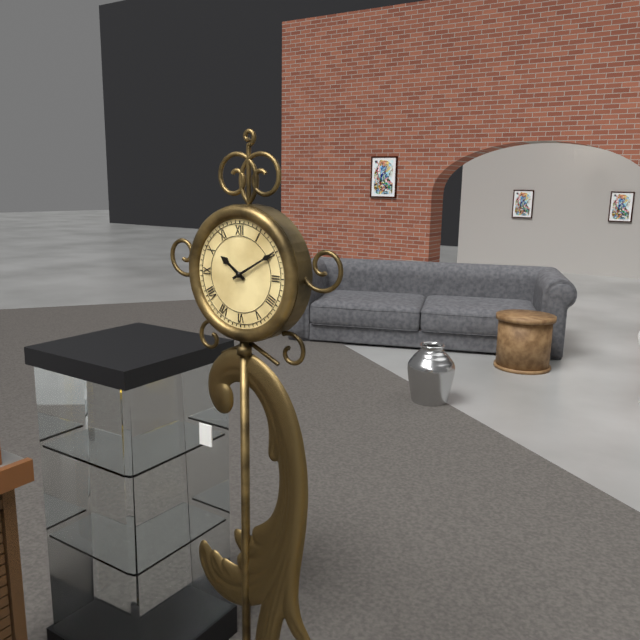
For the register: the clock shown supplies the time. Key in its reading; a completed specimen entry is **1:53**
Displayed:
**10:10**
